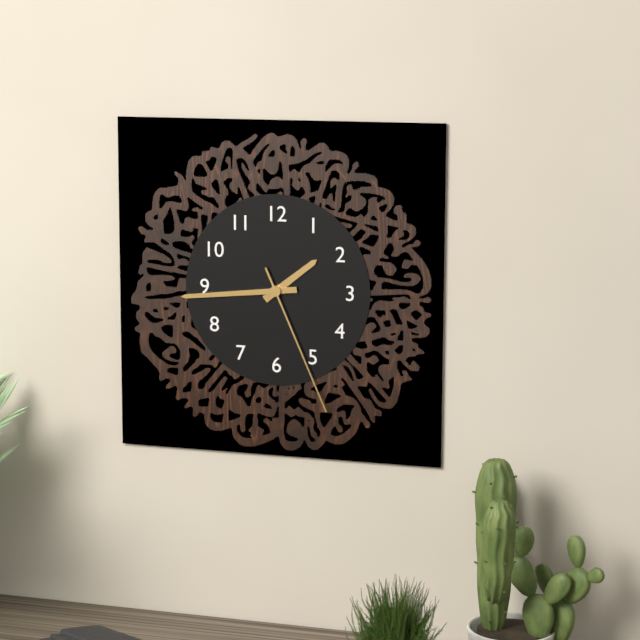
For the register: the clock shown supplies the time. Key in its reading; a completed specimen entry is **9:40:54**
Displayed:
**1:44:26**
